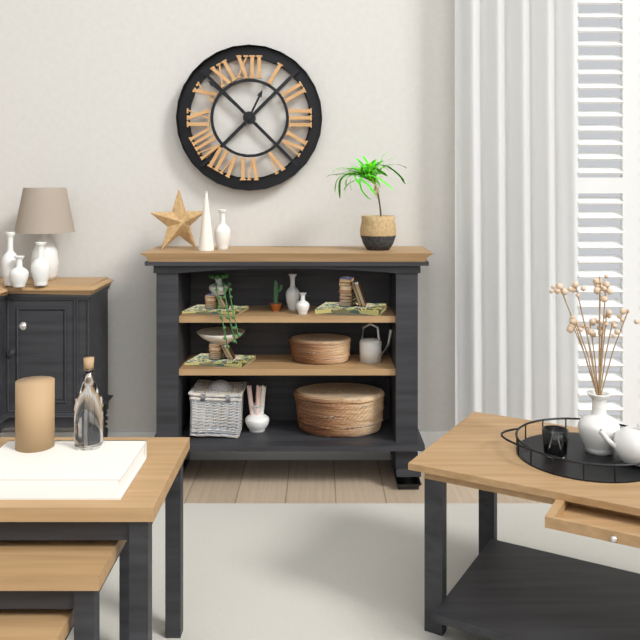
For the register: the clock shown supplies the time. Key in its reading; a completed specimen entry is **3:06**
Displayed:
**12:52**
